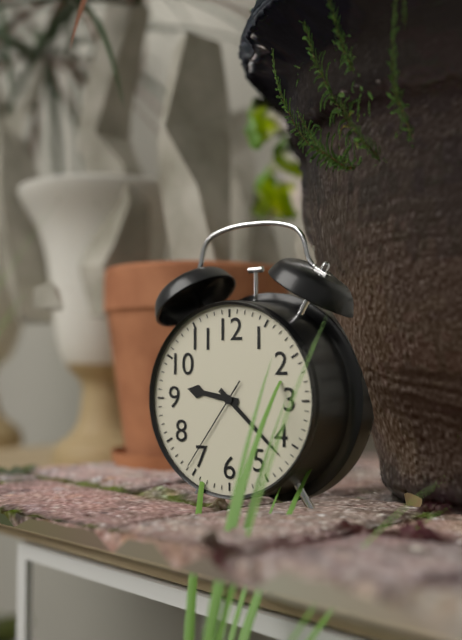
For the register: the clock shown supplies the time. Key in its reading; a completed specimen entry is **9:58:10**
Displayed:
**9:22:36**
